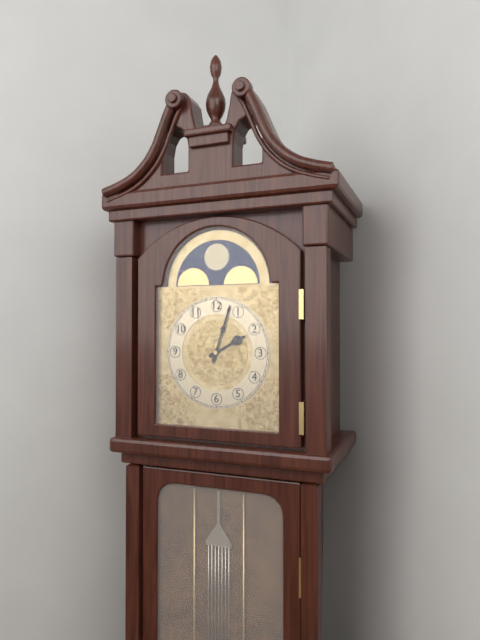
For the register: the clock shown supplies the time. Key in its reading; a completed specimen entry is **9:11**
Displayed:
**2:03**
